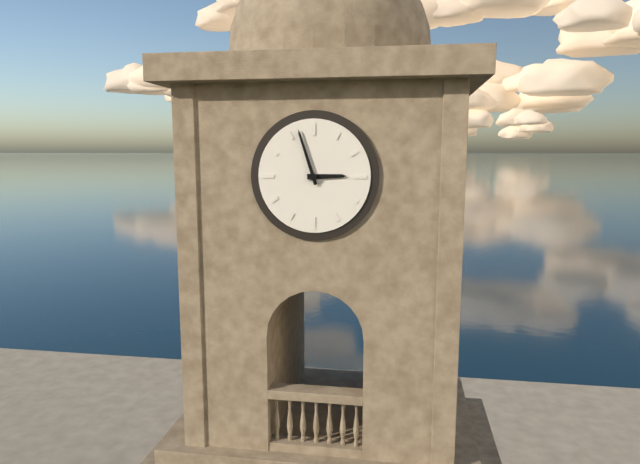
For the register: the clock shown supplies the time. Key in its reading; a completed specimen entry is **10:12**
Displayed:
**2:57**
